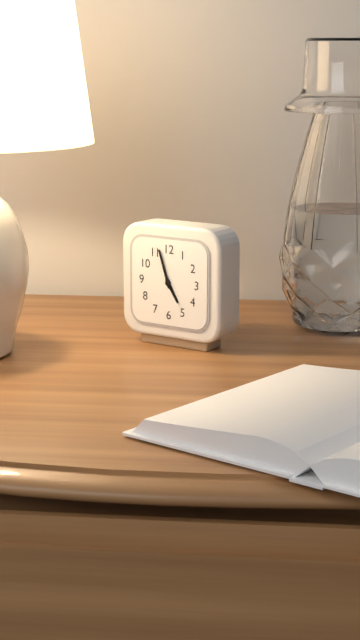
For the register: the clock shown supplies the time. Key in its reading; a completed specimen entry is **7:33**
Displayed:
**4:57**
